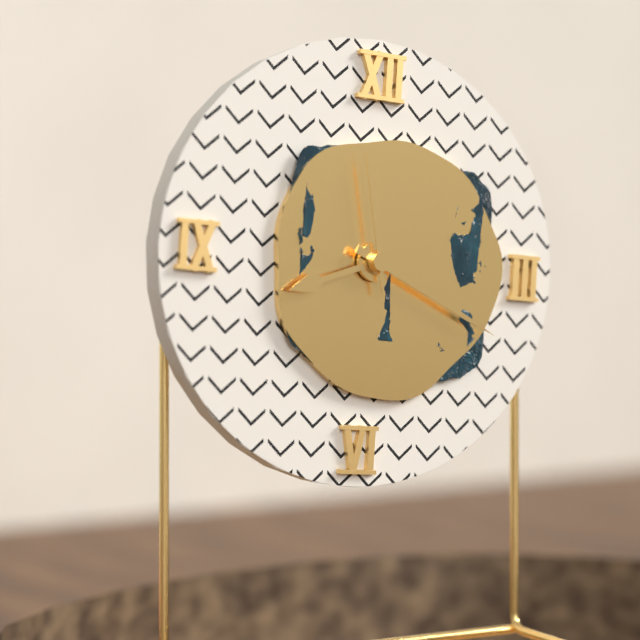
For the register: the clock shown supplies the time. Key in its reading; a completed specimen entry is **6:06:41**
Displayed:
**8:19:58**
